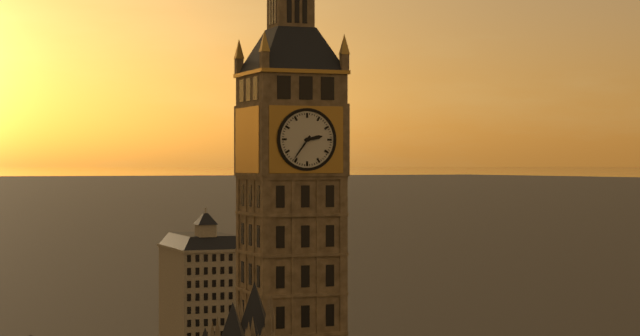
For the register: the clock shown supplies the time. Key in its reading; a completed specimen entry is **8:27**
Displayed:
**2:36**
